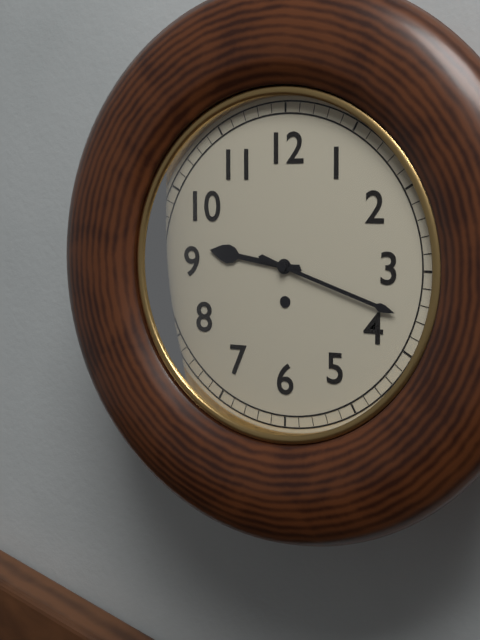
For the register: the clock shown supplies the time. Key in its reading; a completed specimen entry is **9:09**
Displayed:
**9:18**
